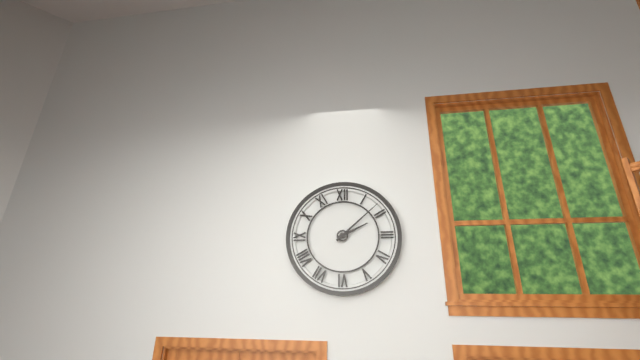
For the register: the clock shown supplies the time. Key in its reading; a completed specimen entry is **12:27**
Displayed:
**2:08**
